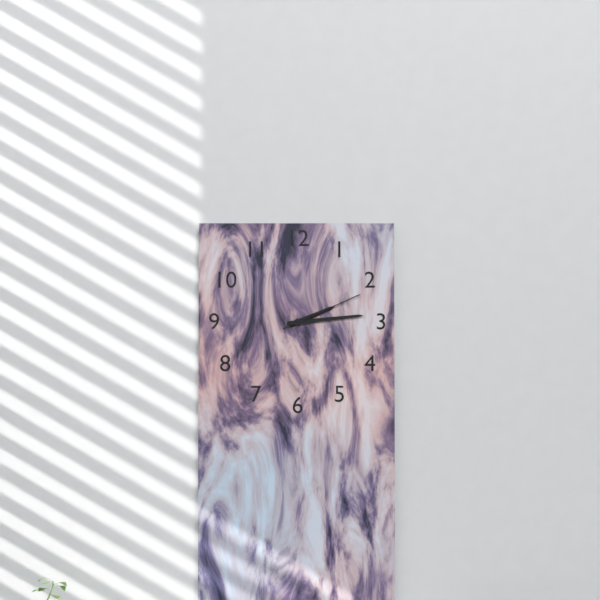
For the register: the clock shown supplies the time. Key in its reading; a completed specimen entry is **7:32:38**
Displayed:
**2:14:11**
